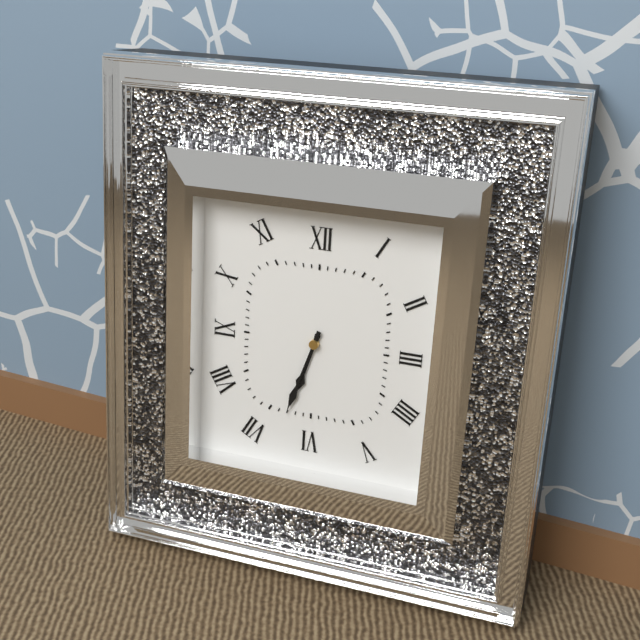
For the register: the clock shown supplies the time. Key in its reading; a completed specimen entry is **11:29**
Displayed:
**6:33**
